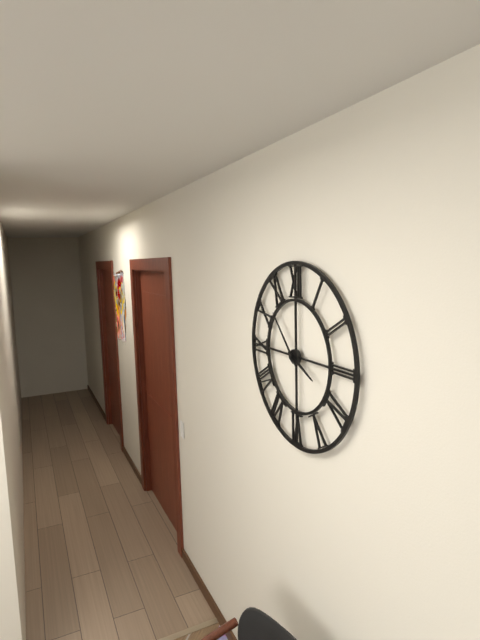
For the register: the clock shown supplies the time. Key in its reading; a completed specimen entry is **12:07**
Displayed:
**3:53**
